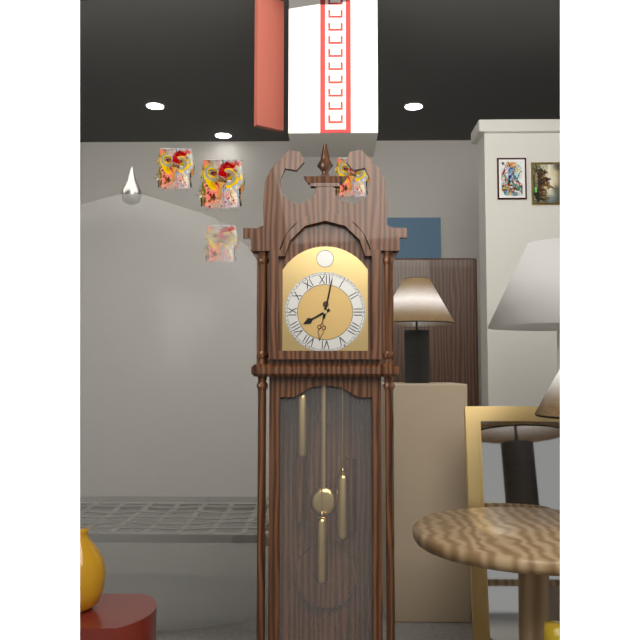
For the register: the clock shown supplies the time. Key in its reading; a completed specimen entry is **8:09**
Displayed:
**8:02**
